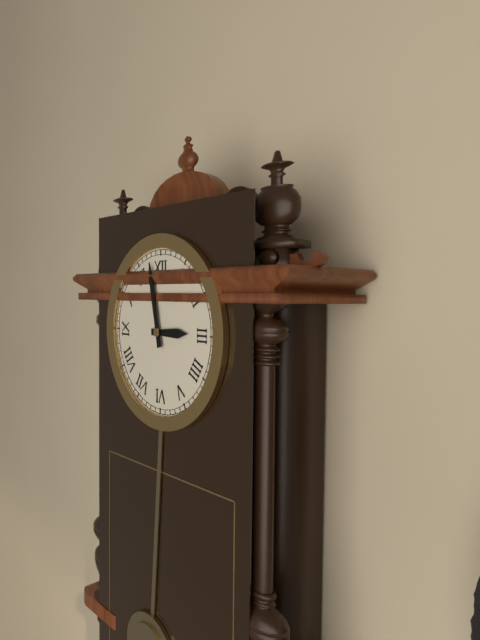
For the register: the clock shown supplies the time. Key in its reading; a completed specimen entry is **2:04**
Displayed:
**2:58**
